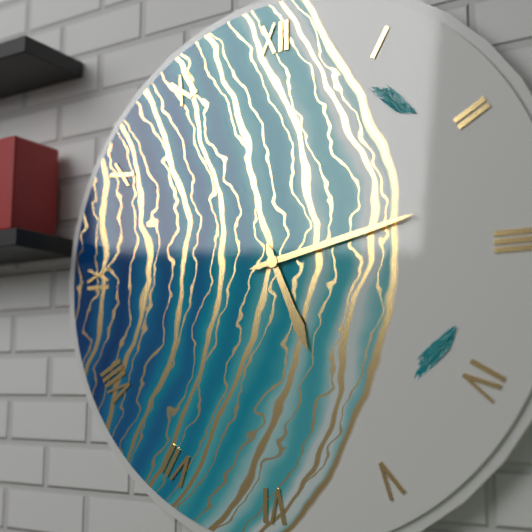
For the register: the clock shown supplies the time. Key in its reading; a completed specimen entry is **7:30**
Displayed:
**5:13**
